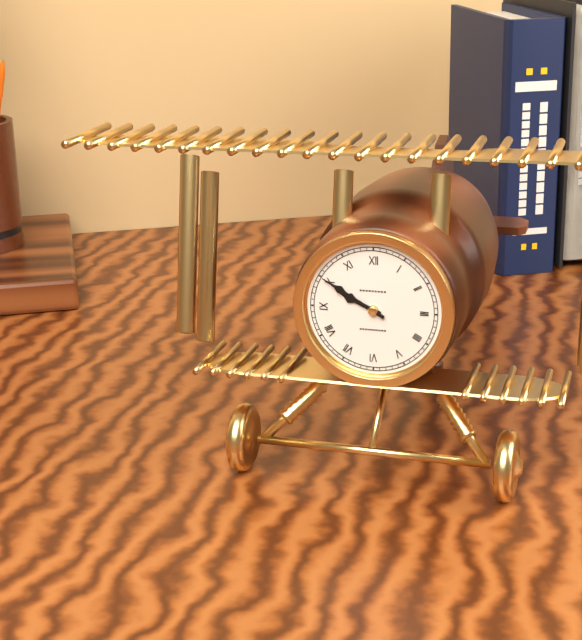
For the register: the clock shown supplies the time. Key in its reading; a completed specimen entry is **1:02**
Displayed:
**9:50**
